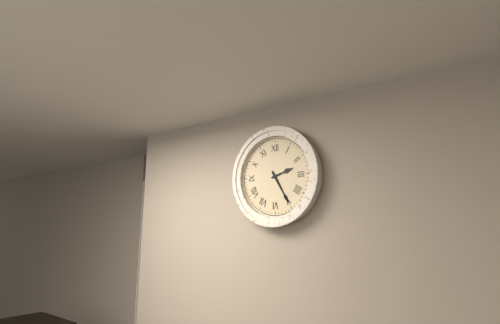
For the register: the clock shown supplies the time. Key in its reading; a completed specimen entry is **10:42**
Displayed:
**2:25**
